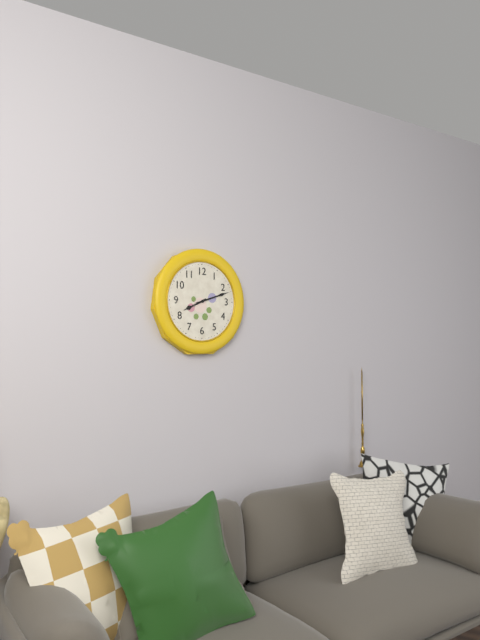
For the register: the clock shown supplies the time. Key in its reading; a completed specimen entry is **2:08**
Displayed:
**8:12**
